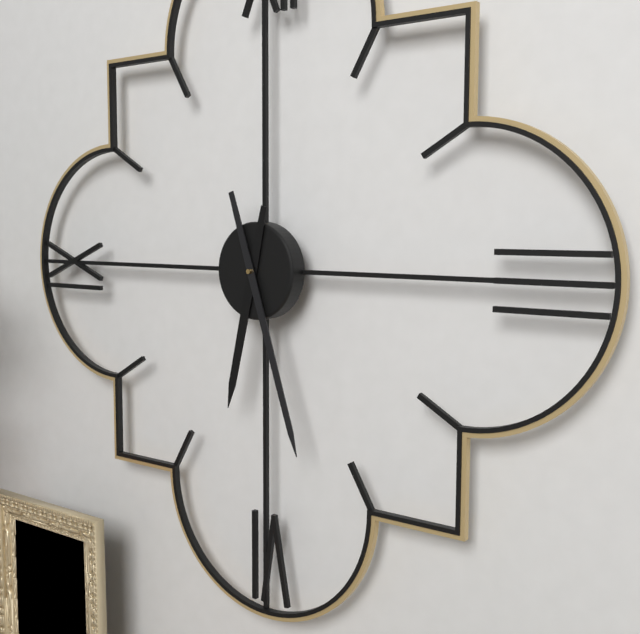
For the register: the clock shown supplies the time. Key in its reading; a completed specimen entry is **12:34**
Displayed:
**6:27**
